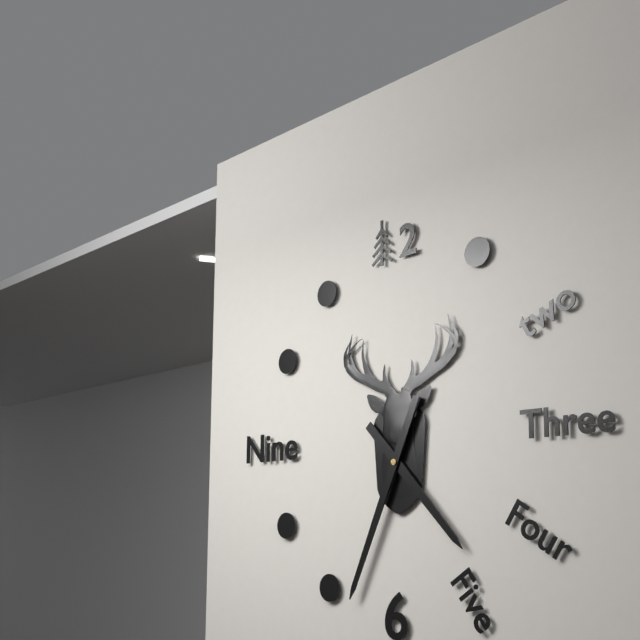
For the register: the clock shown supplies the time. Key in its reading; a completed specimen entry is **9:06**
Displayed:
**4:34**
